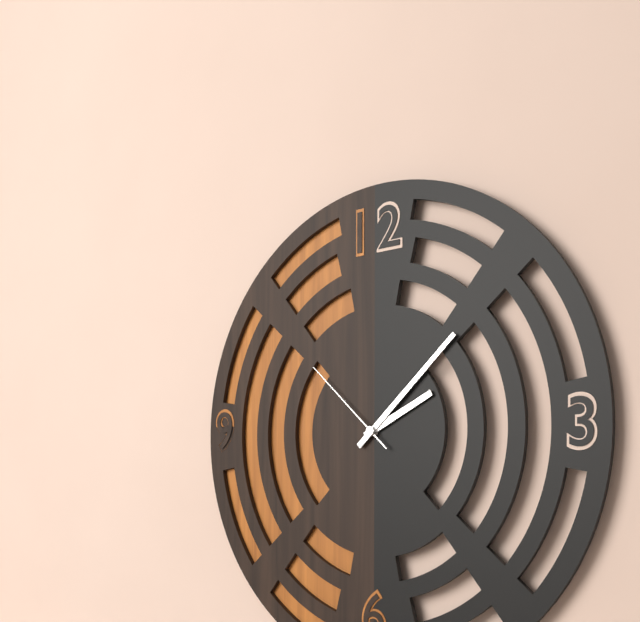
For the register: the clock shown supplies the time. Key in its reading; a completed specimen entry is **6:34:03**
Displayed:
**2:08:52**
